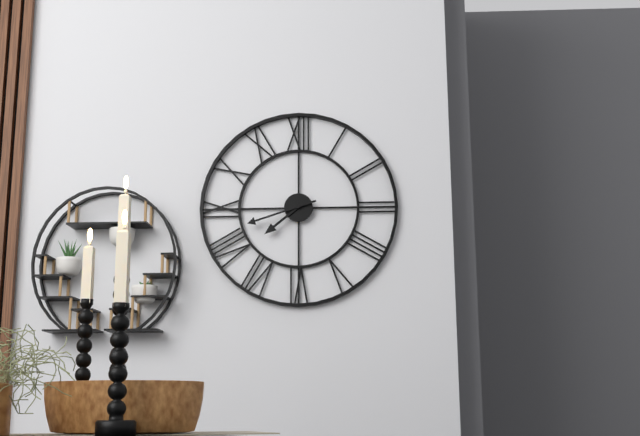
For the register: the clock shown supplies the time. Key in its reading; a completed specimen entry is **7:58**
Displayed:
**7:42**
